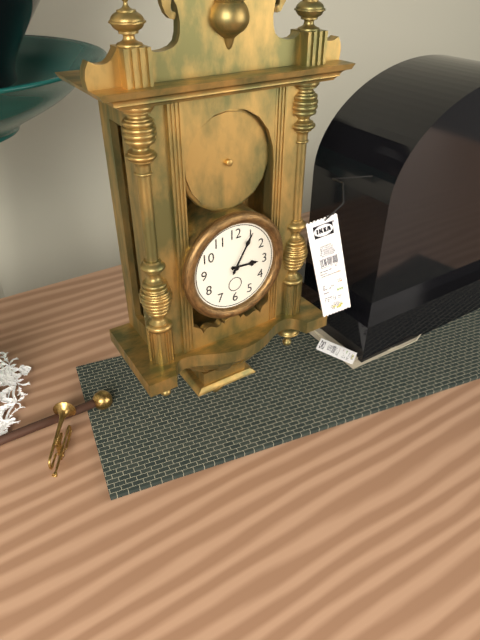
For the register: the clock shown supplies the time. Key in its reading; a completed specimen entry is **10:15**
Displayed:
**3:05**
